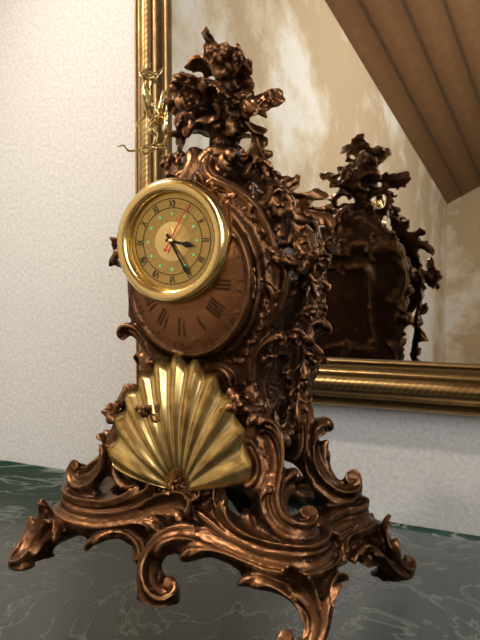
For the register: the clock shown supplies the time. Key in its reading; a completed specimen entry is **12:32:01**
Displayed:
**3:25:05**
